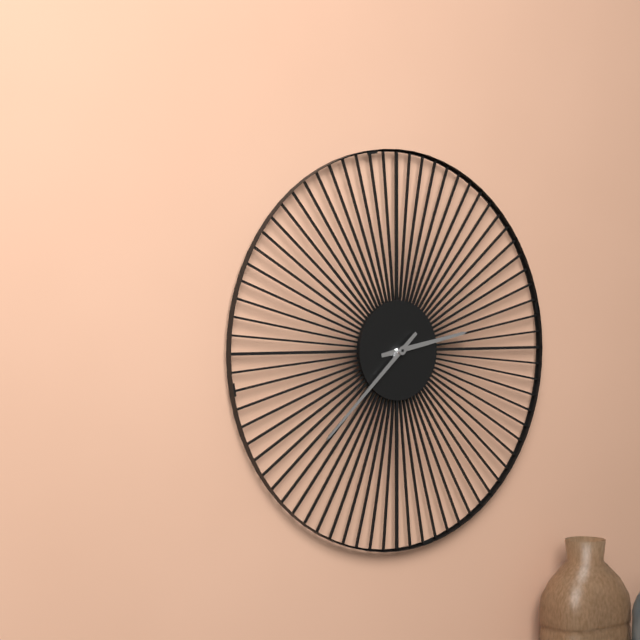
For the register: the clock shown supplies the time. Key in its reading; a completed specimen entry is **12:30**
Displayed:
**2:38**
